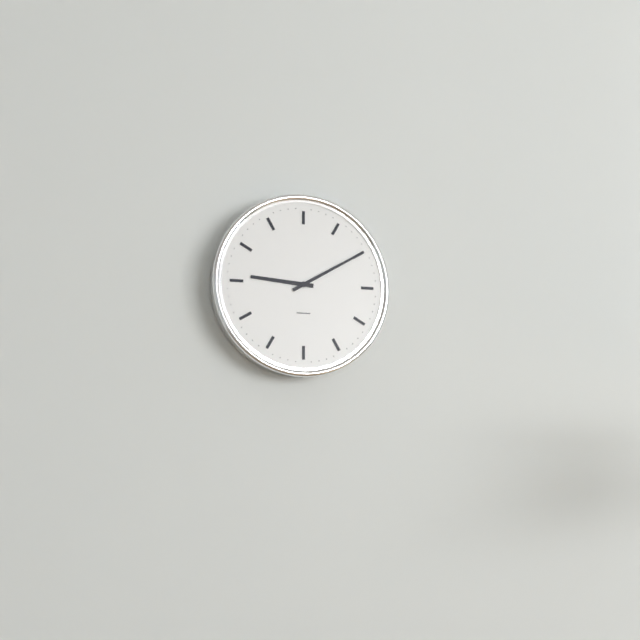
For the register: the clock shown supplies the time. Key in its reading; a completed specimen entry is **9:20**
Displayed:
**9:10**
